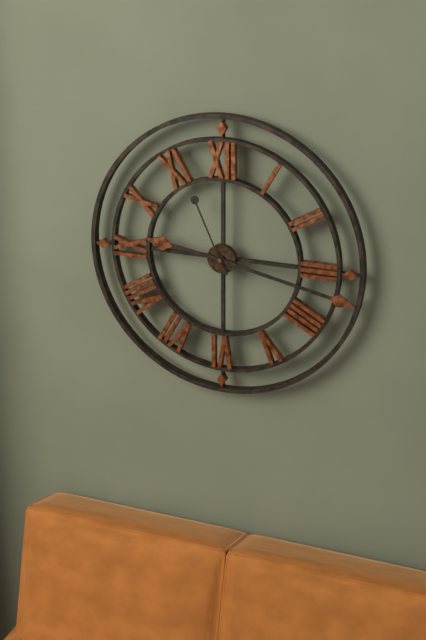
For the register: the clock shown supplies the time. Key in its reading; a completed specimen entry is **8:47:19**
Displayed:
**9:17:56**
